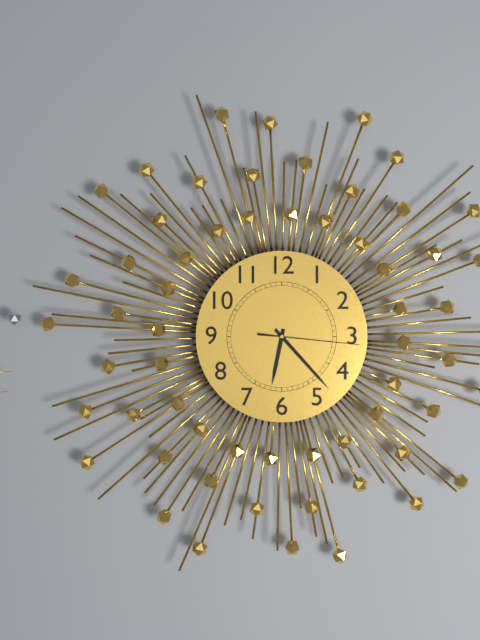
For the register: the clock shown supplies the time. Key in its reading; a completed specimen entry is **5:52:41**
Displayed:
**6:23:16**
